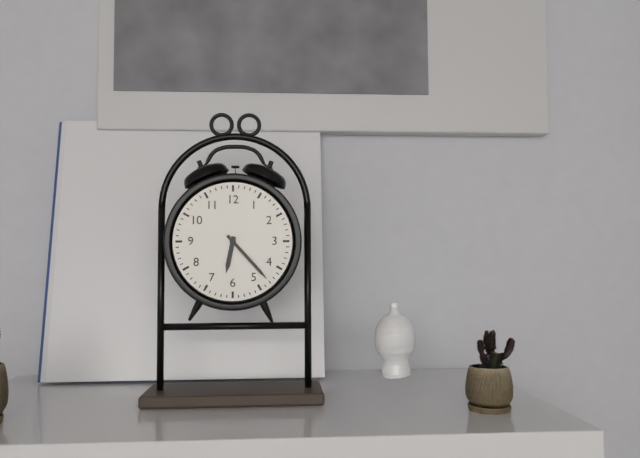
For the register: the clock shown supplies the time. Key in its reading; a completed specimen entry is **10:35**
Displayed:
**6:23**
